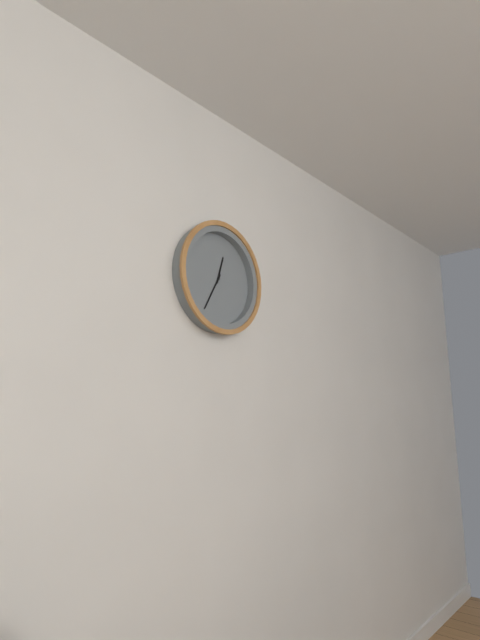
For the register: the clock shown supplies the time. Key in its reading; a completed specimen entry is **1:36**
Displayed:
**12:35**
